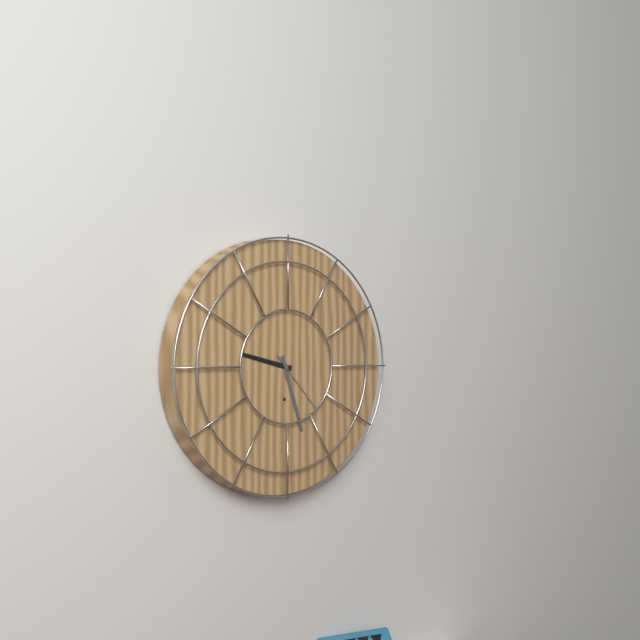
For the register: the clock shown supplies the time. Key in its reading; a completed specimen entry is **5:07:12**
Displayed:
**9:27:23**
